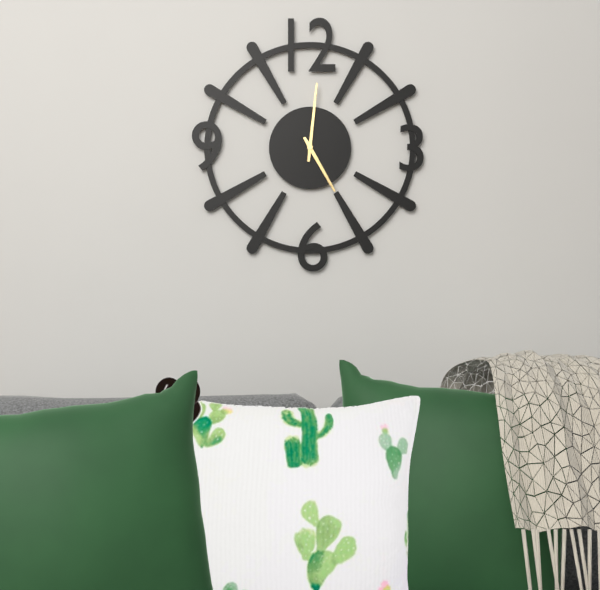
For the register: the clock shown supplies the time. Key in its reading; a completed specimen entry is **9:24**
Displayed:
**5:01**
